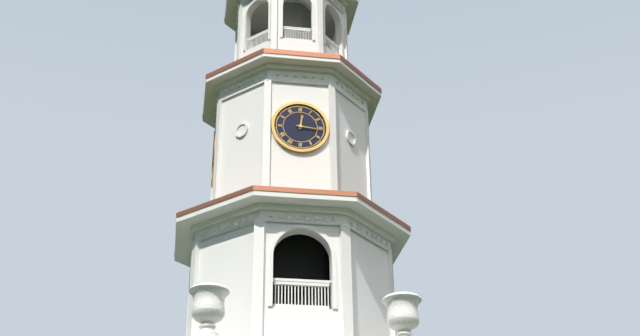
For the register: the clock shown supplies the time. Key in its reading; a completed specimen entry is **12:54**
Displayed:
**12:16**
